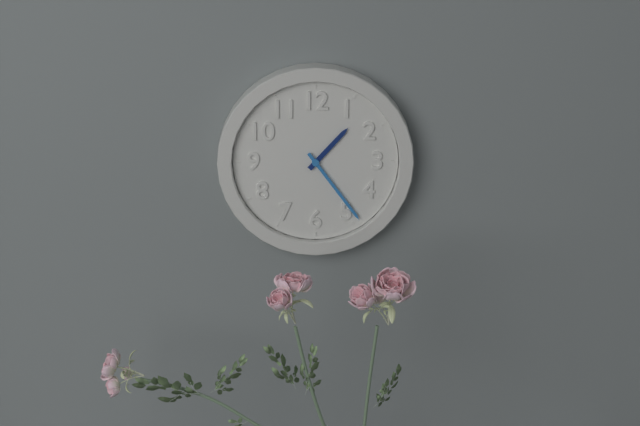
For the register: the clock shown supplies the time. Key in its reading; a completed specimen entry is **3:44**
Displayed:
**1:24**
